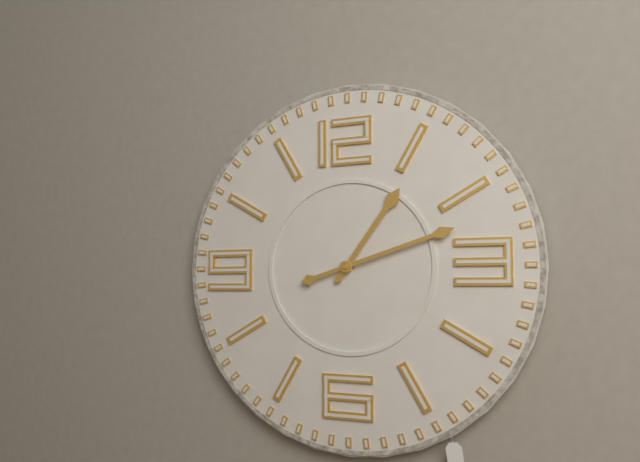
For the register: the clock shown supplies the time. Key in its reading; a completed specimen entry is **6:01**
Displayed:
**1:12**
